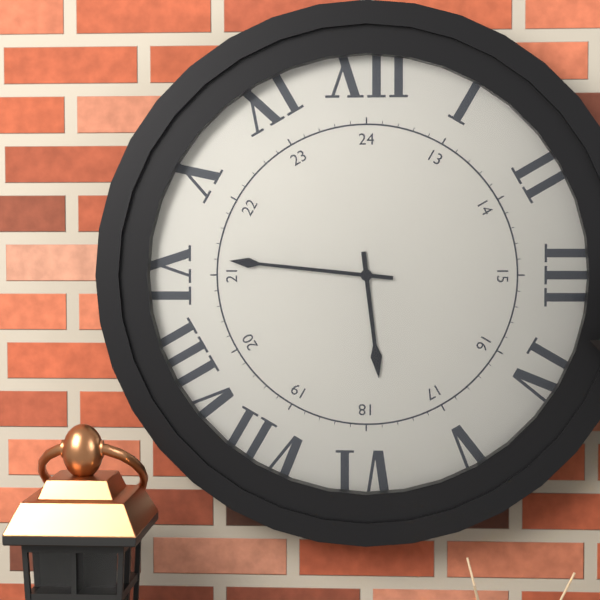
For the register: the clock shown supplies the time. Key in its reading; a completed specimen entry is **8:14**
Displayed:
**5:46**
